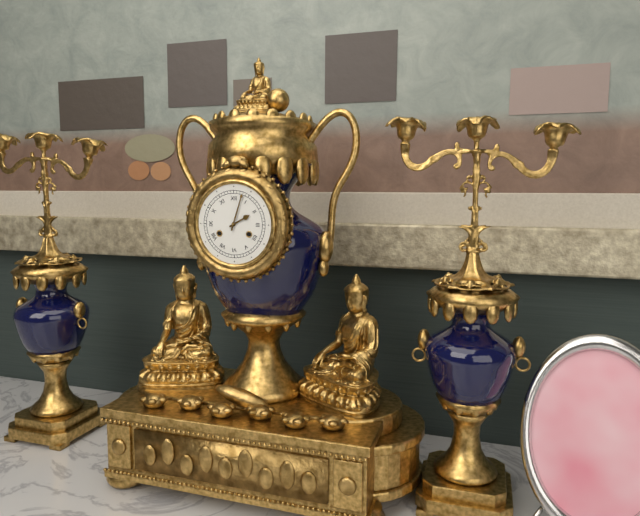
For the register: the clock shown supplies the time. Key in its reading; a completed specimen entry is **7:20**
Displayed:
**2:03**
